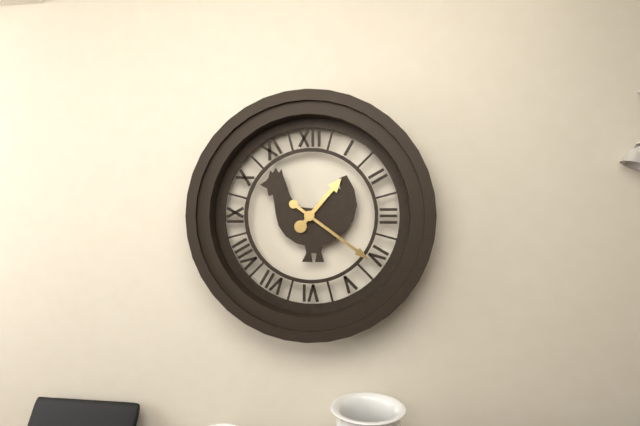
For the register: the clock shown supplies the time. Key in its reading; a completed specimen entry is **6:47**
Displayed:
**1:21**
